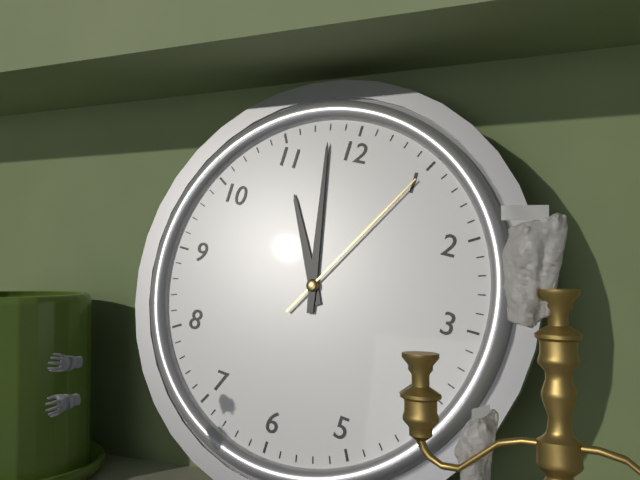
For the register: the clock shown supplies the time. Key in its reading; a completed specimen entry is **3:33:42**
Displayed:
**10:58:05**
